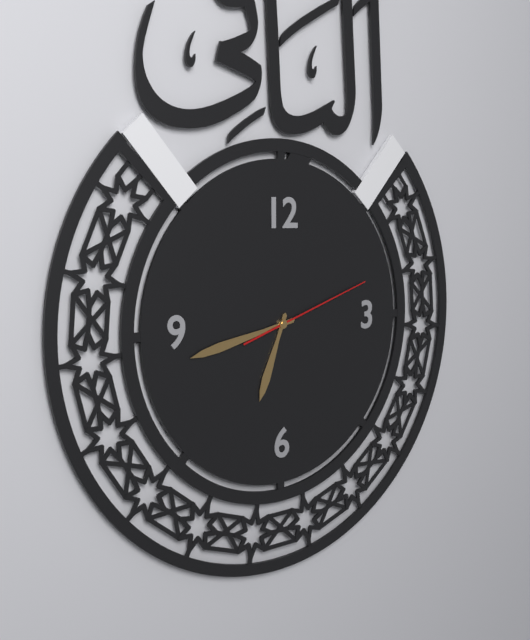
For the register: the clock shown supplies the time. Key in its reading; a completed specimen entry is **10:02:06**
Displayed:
**6:43:12**
